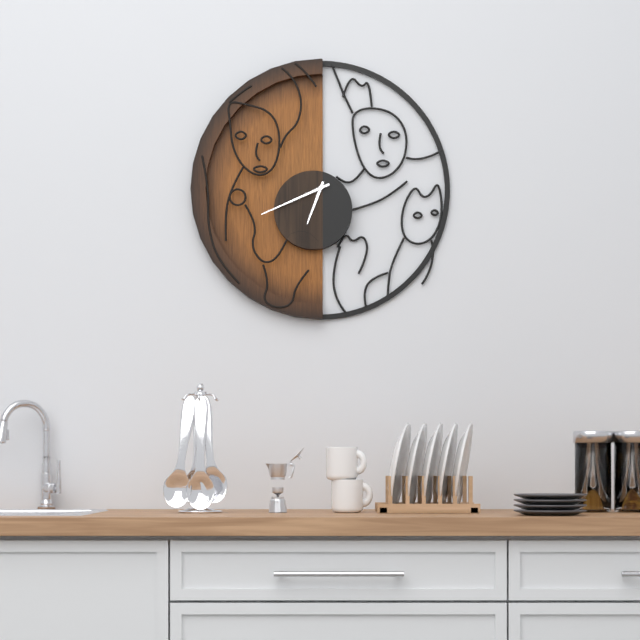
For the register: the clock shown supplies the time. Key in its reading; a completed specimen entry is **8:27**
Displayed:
**6:41**
